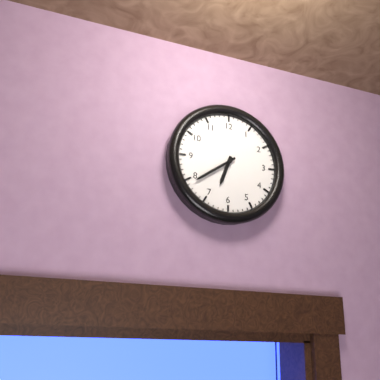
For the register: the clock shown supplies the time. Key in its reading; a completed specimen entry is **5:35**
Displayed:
**6:39**
